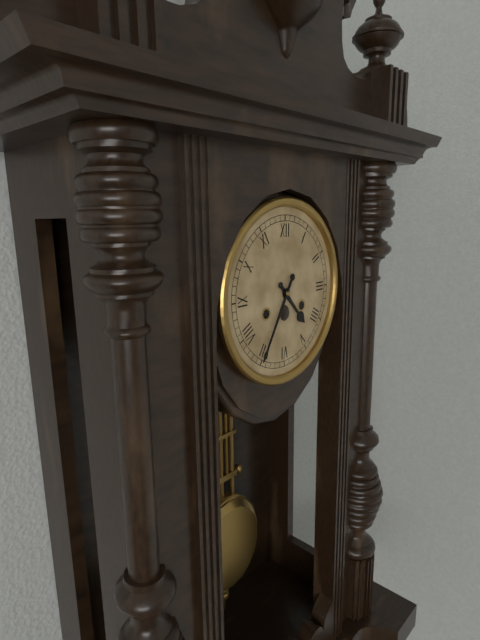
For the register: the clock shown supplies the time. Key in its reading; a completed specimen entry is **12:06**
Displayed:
**4:35**
